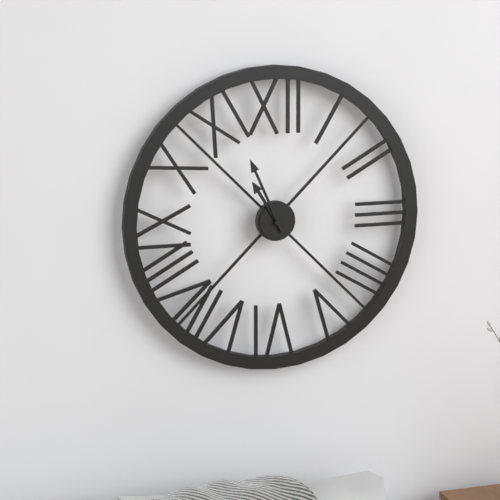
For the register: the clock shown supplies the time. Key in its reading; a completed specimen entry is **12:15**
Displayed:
**10:56**
